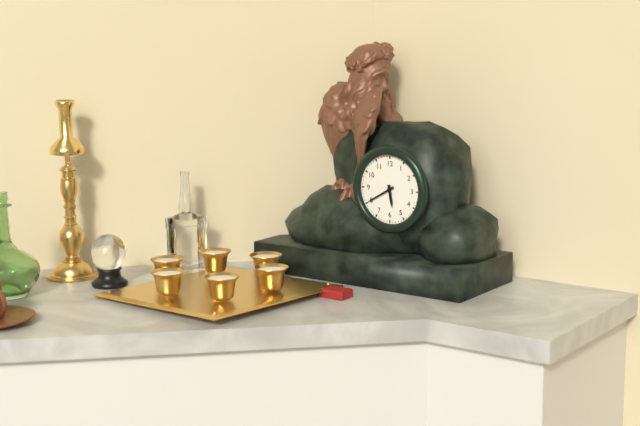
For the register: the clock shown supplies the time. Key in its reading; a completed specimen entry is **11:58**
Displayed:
**5:40**
